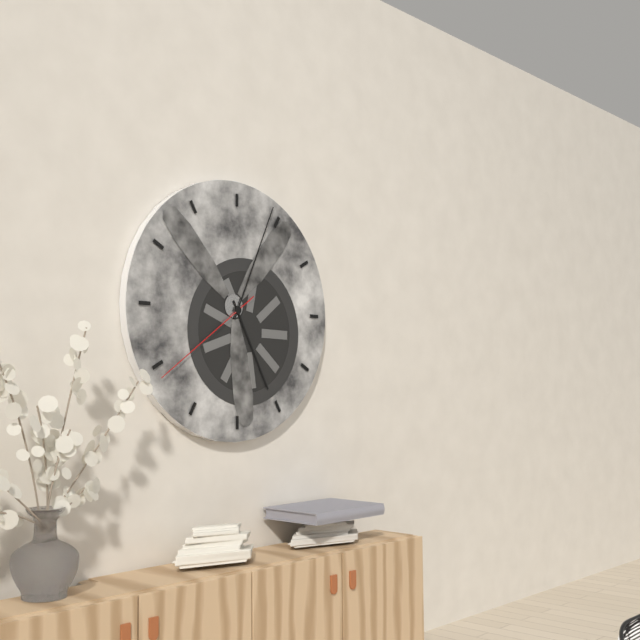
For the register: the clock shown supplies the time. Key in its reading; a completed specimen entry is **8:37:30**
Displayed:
**5:04:39**
